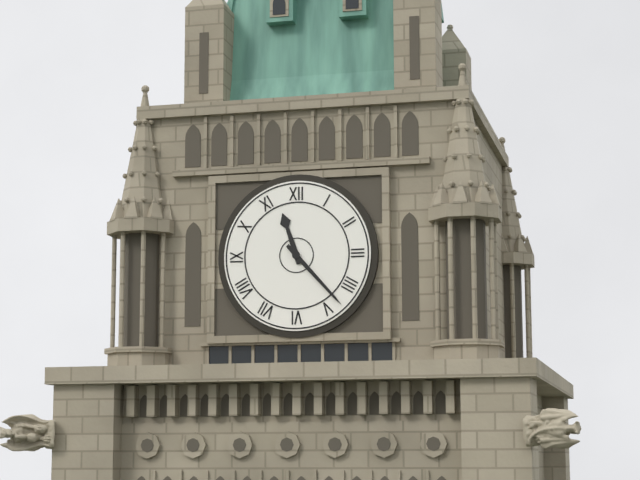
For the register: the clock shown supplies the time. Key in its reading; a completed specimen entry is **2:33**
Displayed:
**11:23**
